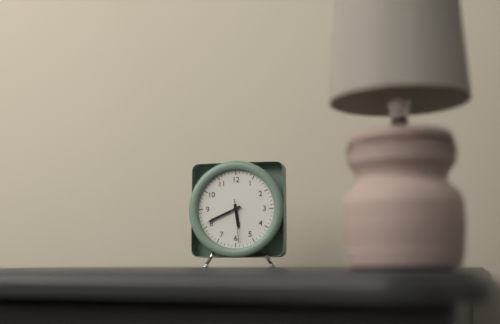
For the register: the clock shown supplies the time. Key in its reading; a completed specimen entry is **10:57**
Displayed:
**5:41**
